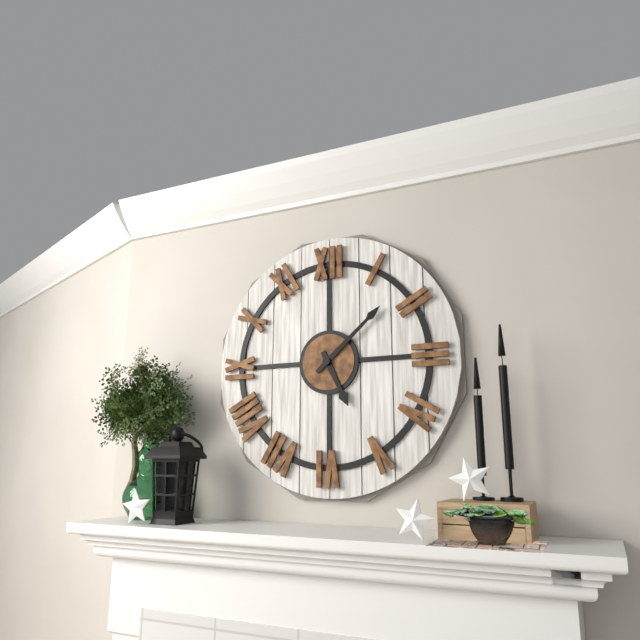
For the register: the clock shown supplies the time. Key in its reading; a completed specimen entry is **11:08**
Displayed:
**5:08**
